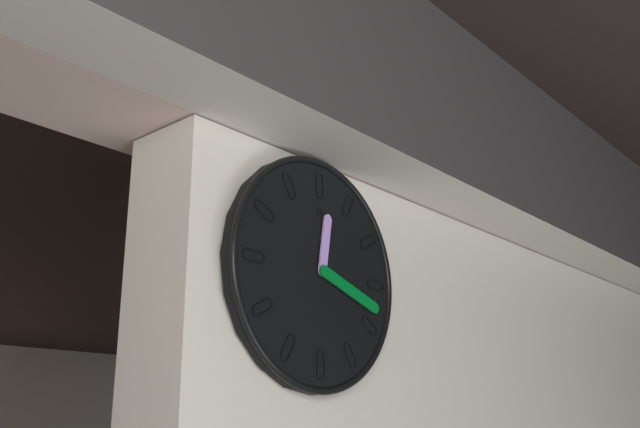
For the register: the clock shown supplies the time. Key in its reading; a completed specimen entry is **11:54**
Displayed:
**12:18**
